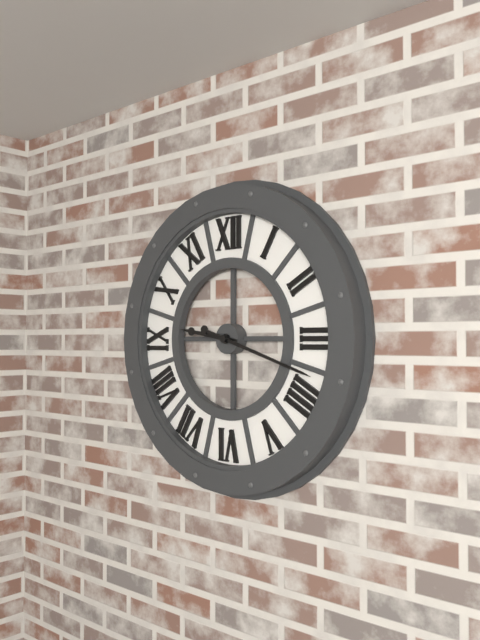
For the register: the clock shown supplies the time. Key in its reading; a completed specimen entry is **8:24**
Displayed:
**9:18**
